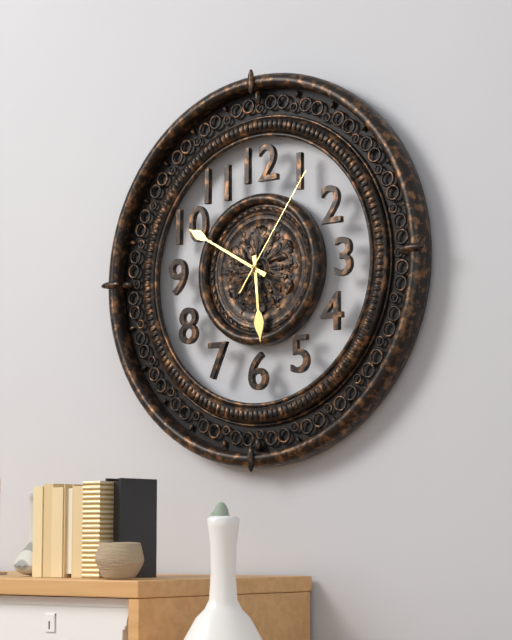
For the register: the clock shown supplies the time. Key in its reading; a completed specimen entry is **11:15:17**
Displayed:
**5:50:06**
